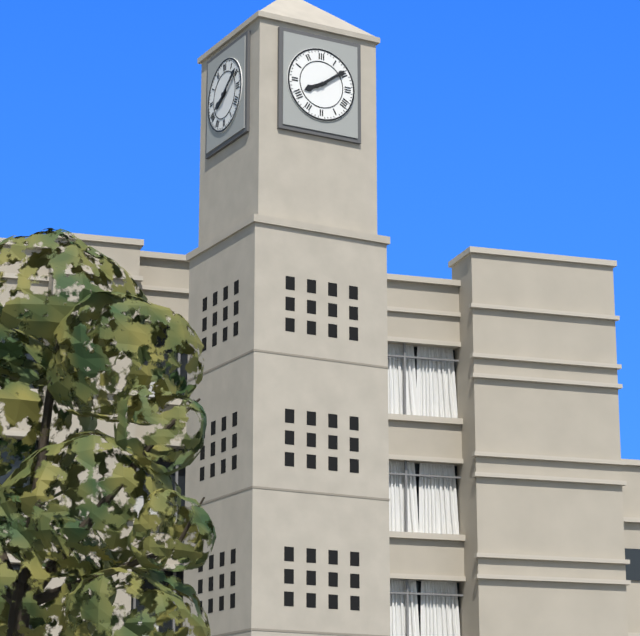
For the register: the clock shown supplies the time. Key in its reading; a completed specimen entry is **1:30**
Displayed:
**8:09**
